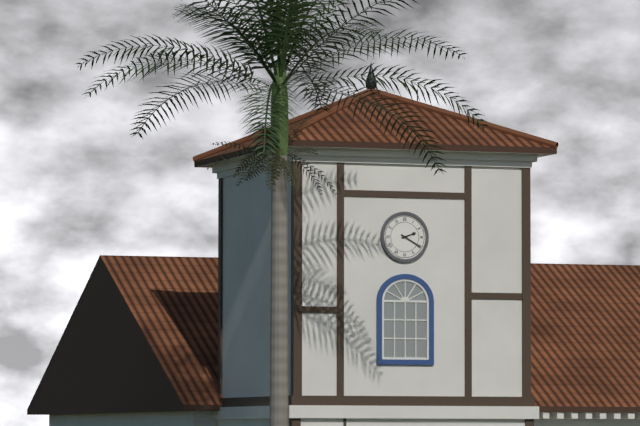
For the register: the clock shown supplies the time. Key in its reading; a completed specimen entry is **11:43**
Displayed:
**2:20**
